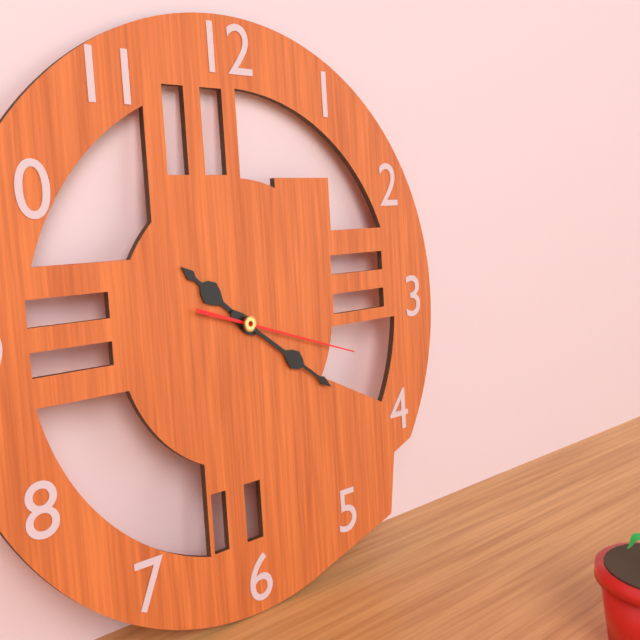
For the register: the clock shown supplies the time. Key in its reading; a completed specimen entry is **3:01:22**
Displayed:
**10:21:18**
